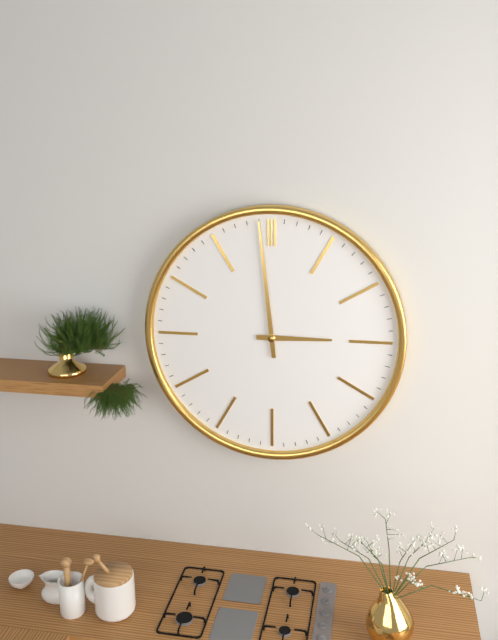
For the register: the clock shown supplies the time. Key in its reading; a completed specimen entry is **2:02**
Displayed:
**2:59**
